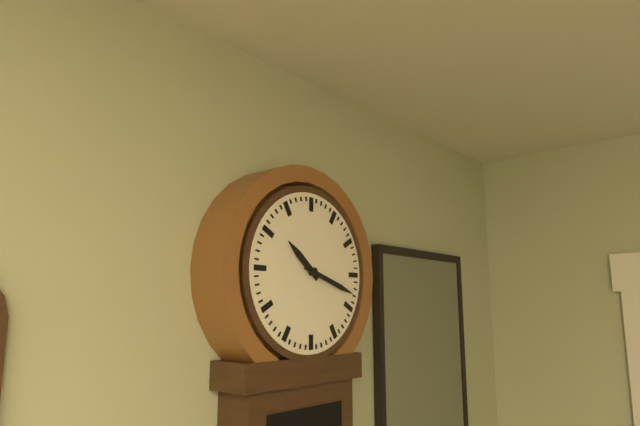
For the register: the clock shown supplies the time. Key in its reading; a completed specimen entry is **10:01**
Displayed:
**10:18**
